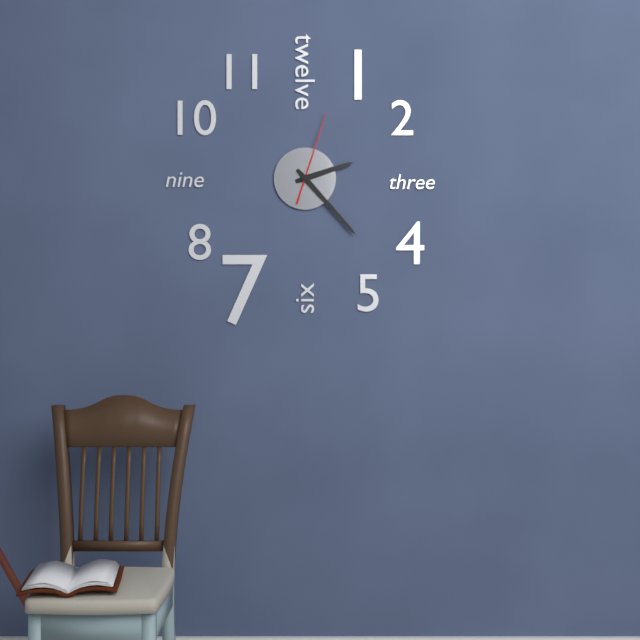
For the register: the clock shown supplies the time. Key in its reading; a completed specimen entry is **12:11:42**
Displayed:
**2:23:03**
